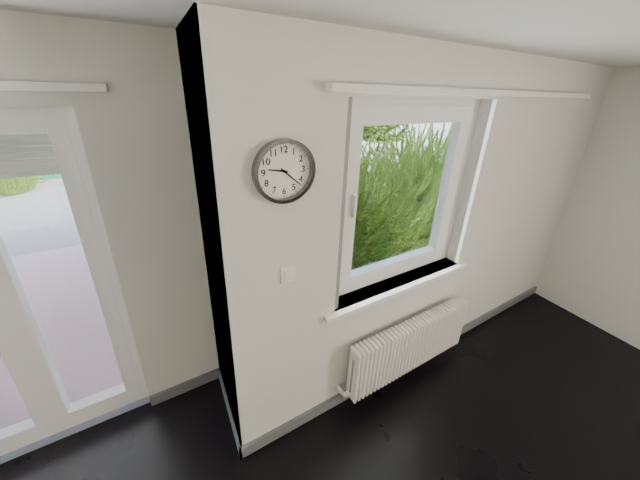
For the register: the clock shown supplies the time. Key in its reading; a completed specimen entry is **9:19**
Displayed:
**9:22**
